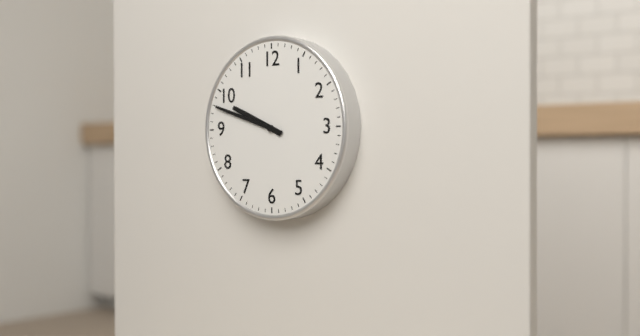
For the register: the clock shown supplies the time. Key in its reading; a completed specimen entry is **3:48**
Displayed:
**9:48**
